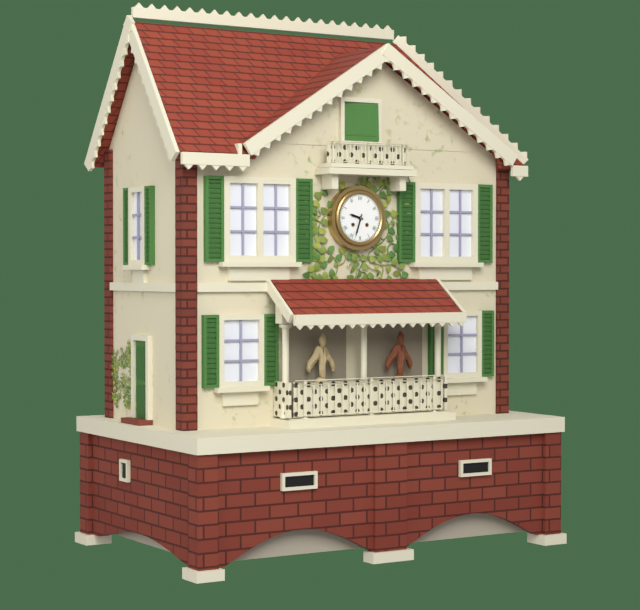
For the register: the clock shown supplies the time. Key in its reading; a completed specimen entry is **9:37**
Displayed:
**9:33**
